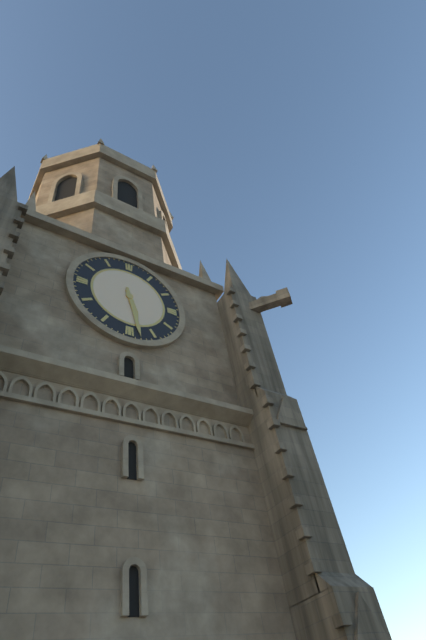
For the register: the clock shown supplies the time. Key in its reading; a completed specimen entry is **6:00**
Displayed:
**5:28**
